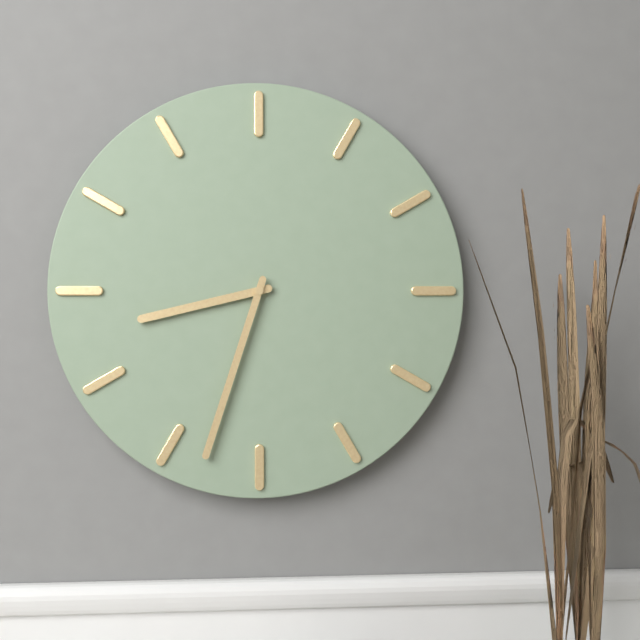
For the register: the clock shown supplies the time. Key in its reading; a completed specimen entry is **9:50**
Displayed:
**8:33**
